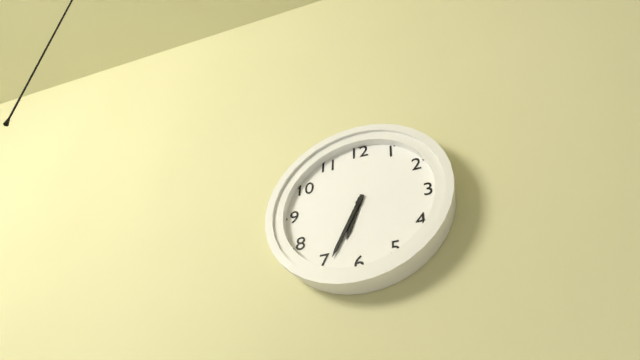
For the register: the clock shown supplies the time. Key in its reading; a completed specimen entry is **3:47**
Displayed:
**6:34**
